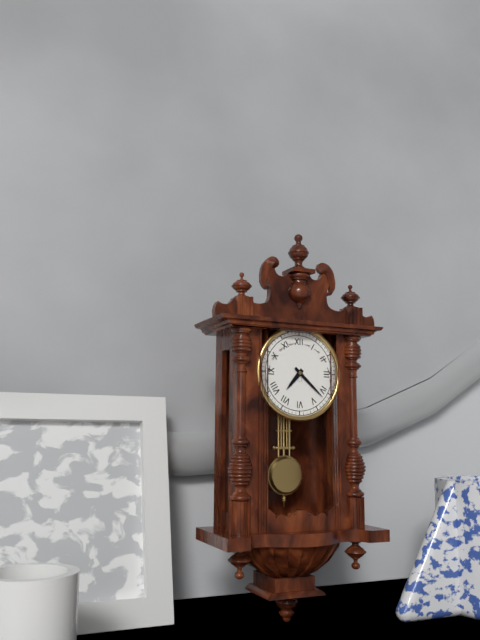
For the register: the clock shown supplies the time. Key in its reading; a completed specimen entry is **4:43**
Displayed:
**7:22**
